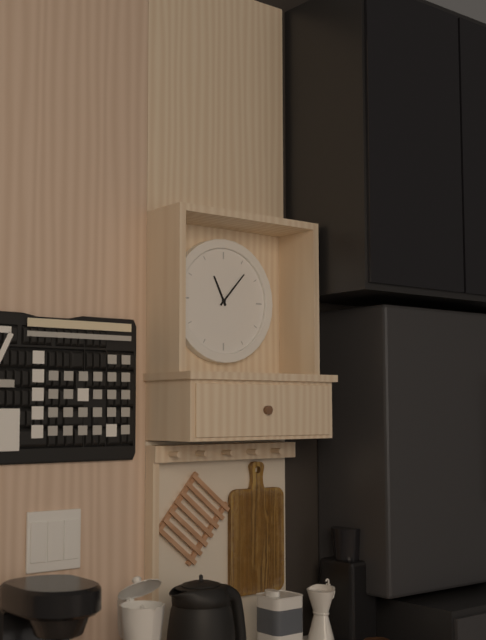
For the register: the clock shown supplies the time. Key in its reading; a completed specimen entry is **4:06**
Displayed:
**11:07**
